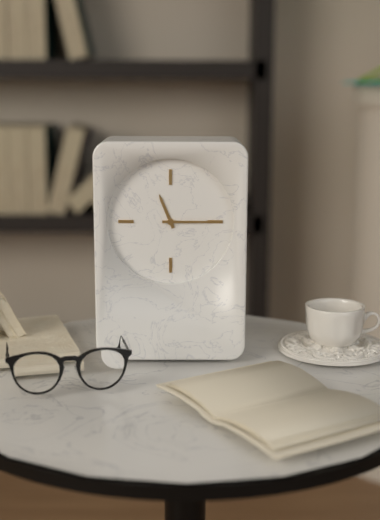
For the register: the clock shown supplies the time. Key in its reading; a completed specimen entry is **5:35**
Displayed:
**11:15**
